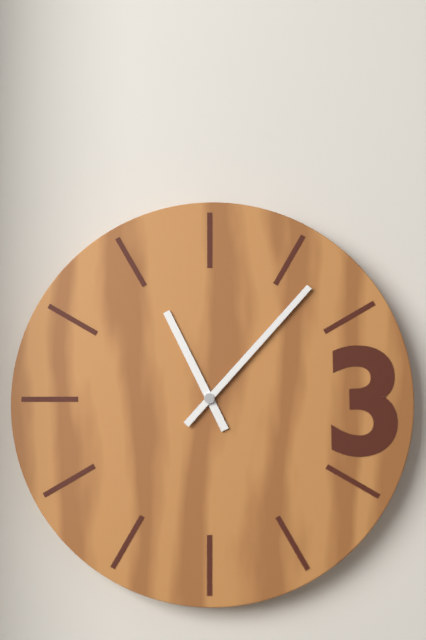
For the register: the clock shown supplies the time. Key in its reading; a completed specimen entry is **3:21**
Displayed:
**11:07**
